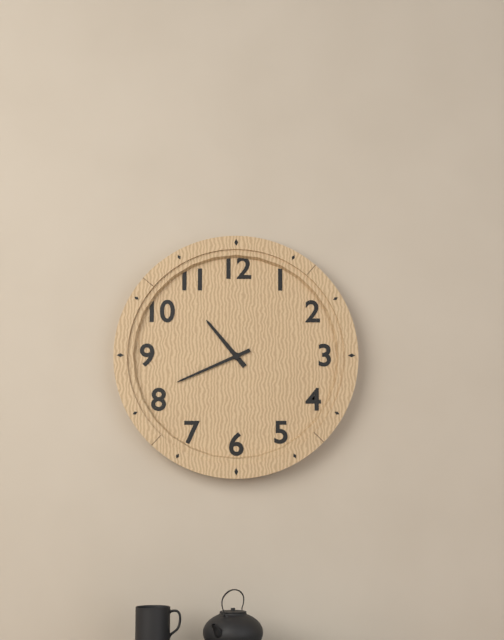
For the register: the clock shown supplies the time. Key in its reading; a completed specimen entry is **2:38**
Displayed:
**10:41**
